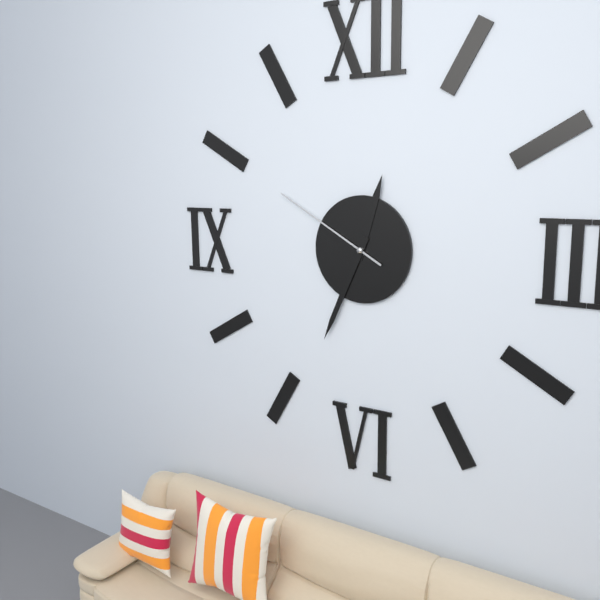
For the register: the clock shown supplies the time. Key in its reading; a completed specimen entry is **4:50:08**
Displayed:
**12:34:50**
